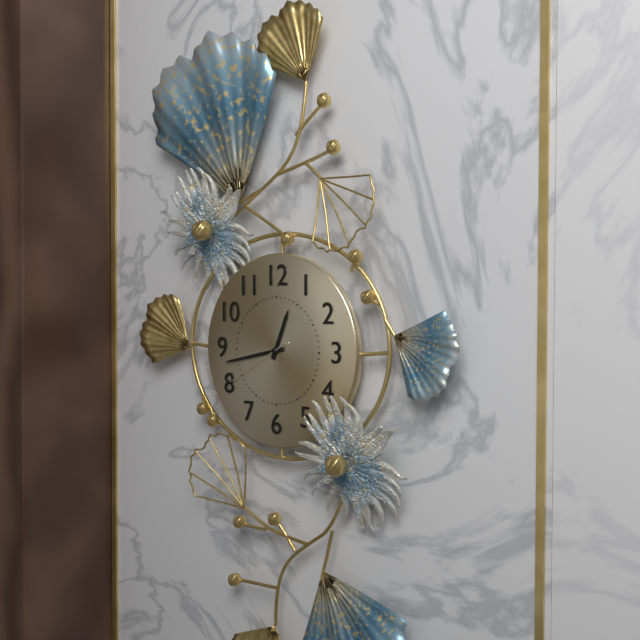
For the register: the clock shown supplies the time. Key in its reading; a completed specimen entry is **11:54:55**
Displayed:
**12:43:40**
